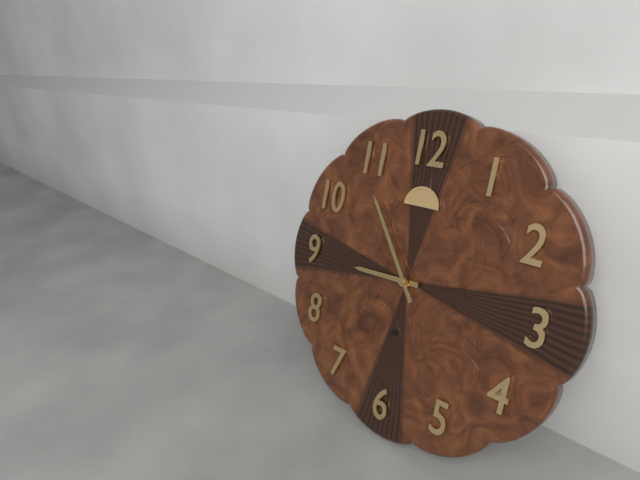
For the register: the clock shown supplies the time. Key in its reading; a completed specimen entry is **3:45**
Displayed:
**8:54**
